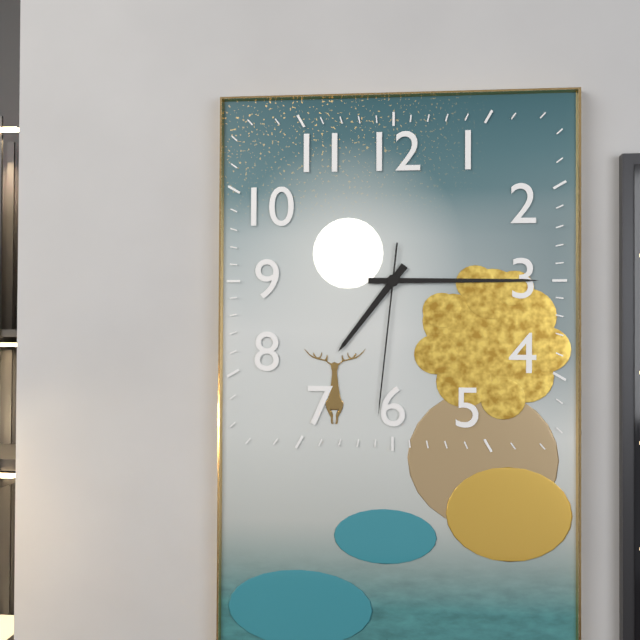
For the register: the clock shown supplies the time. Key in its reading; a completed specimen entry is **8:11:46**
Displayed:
**7:15:31**
